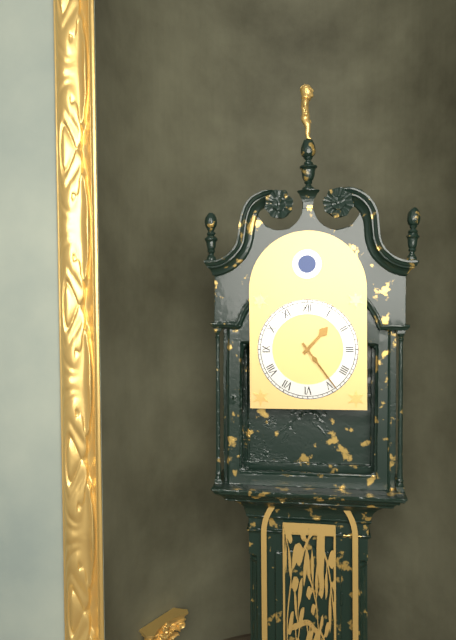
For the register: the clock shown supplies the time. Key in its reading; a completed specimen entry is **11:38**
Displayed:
**1:24**
